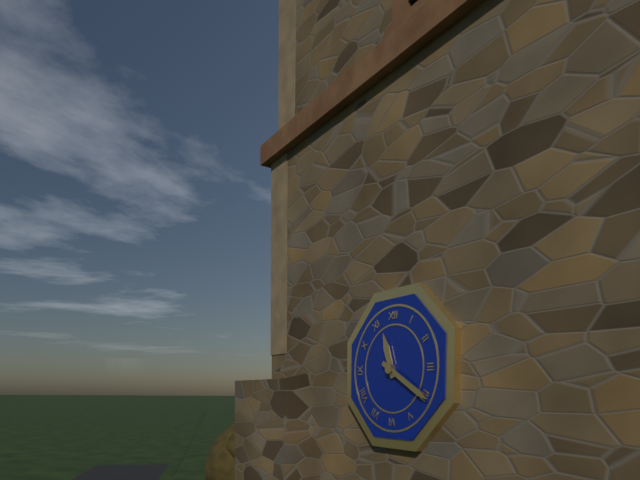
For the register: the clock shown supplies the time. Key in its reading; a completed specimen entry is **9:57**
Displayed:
**11:20**
